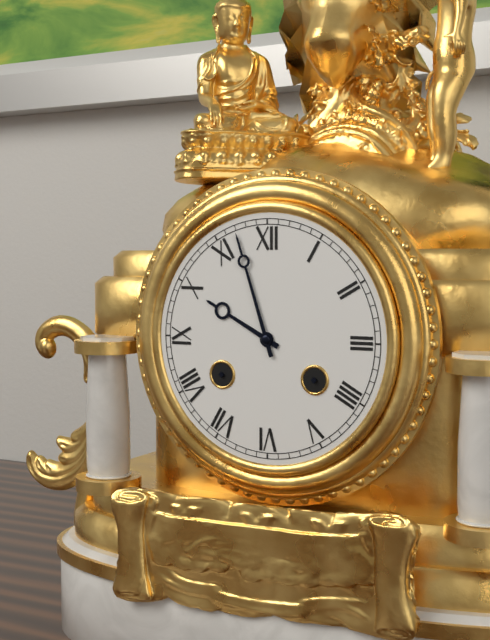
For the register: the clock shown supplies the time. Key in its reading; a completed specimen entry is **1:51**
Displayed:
**9:57**
